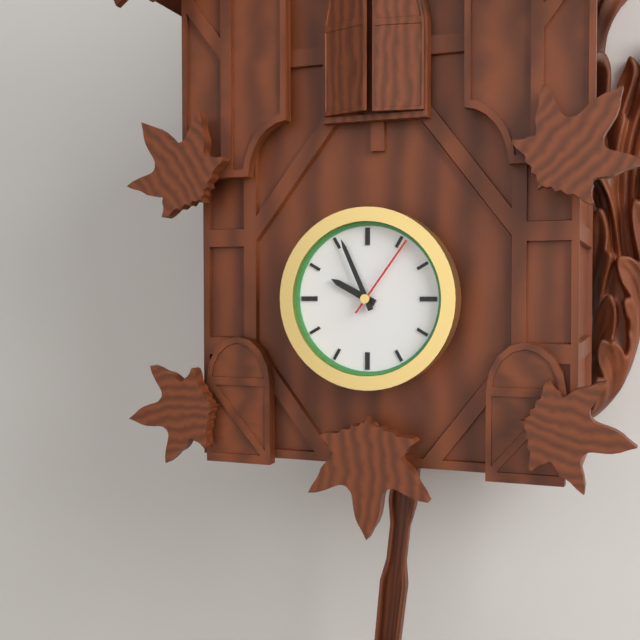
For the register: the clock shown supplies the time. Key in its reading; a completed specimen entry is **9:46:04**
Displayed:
**9:56:06**
